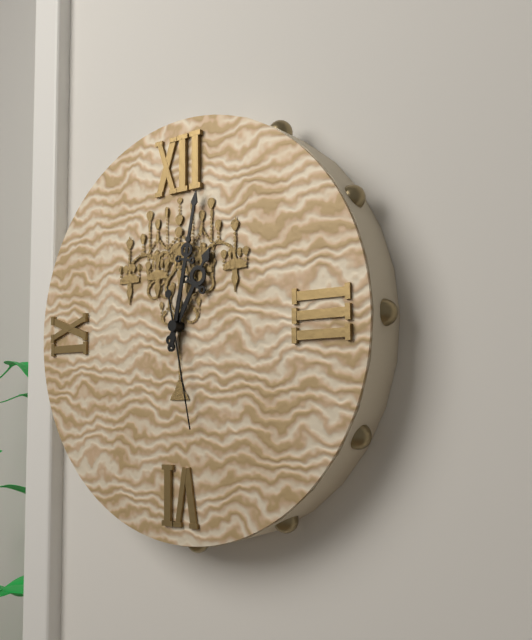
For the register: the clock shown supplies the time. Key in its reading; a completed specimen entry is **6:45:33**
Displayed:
**1:02:28**
